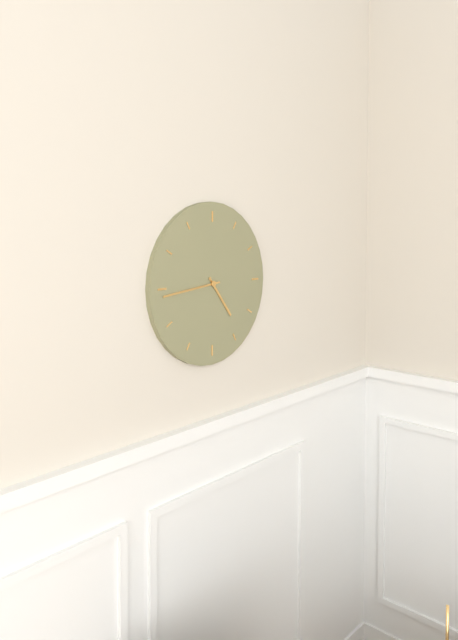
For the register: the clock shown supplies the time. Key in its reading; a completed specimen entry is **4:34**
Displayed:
**4:44**
